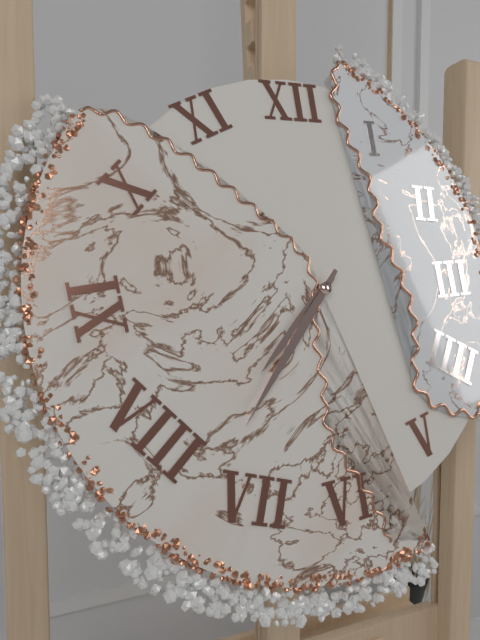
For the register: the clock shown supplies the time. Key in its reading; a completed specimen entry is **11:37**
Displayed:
**7:37**
